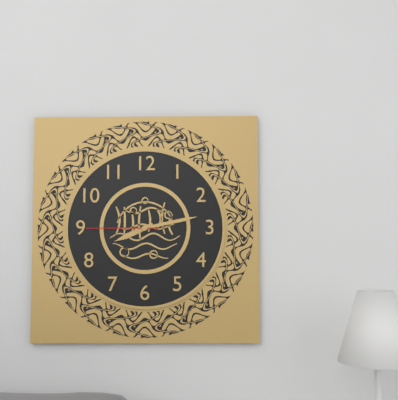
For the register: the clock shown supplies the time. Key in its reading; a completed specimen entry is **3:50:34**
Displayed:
**8:13:45**
